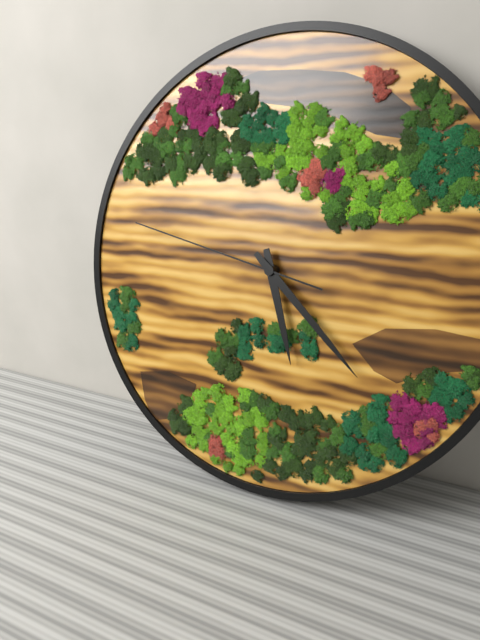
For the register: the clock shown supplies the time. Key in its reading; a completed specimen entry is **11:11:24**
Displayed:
**5:22:47**
